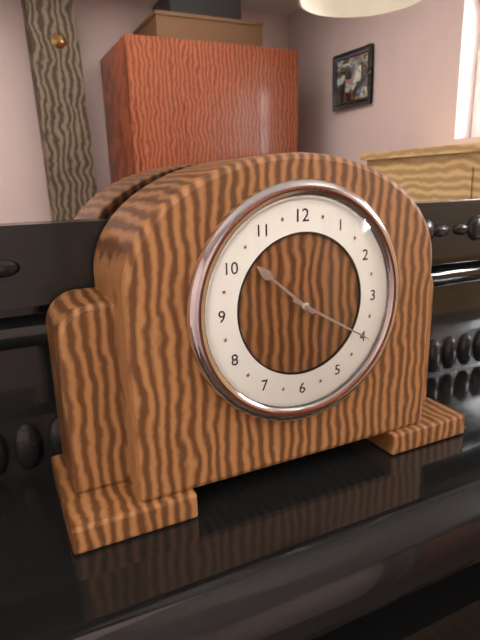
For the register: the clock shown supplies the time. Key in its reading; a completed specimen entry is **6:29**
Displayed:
**10:20**
